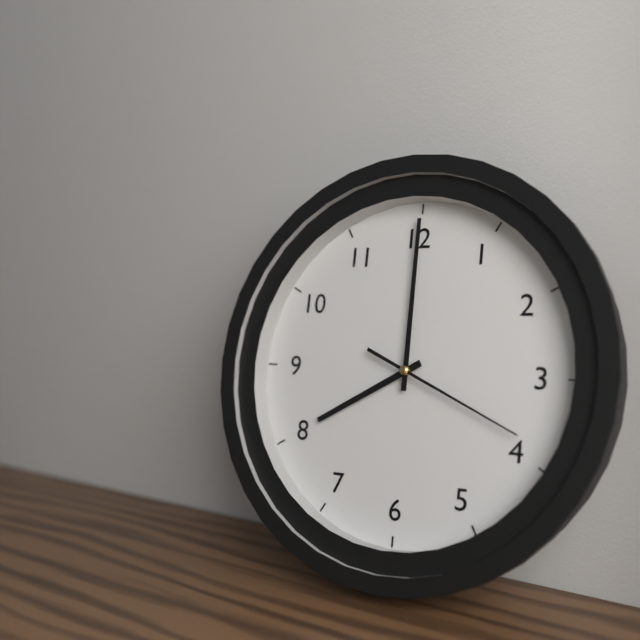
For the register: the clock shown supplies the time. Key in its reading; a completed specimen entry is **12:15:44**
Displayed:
**8:00:19**
